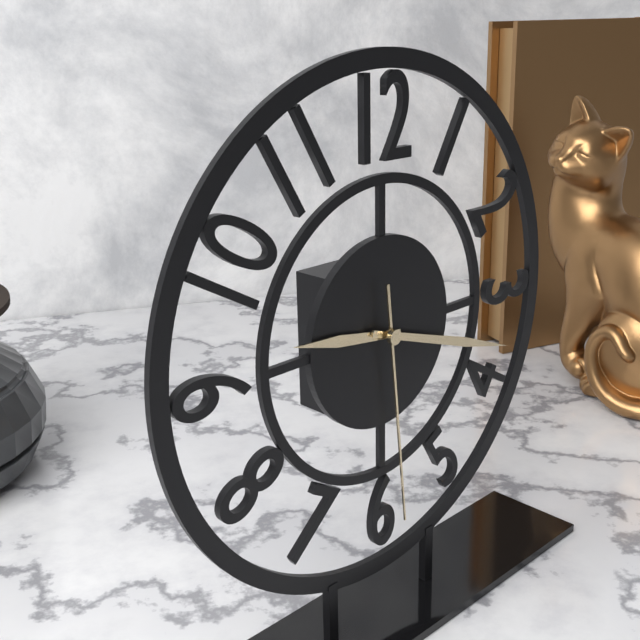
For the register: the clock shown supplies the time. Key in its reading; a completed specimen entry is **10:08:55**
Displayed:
**9:18:29**
